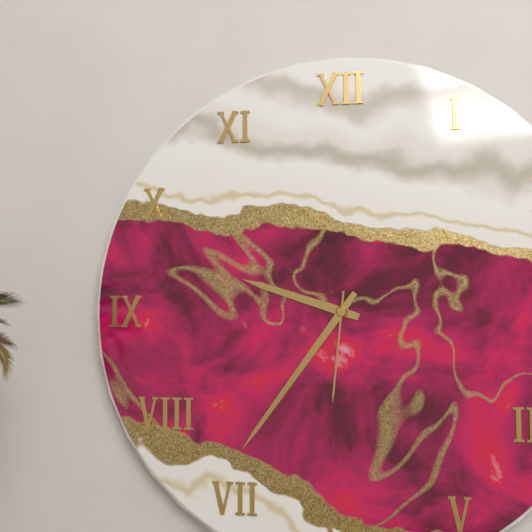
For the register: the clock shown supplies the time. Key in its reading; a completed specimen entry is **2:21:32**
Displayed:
**9:36:31**
